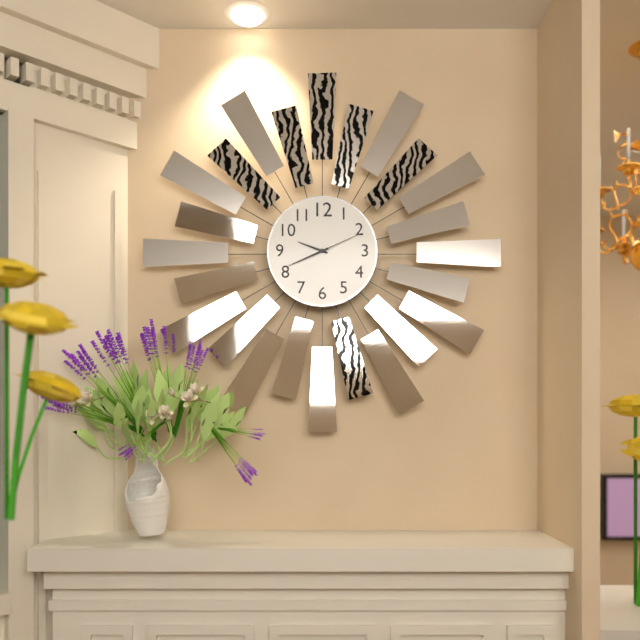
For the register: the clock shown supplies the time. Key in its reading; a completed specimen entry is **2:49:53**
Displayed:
**9:41:11**
